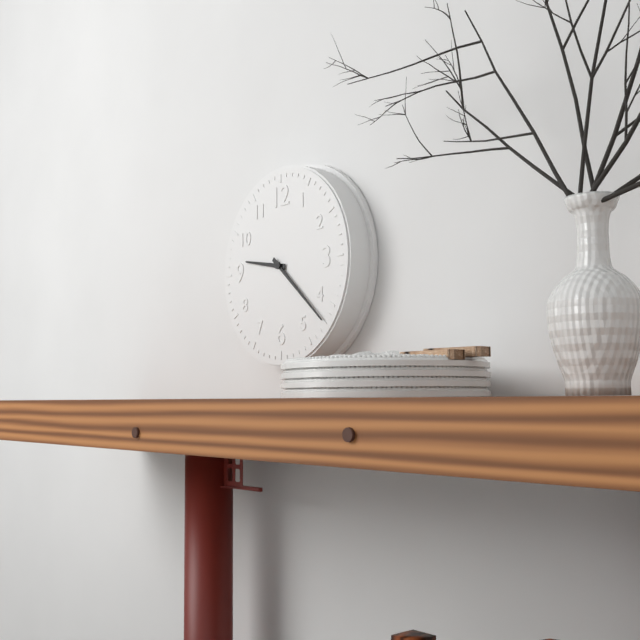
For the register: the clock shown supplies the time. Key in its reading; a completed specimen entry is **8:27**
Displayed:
**9:22**
